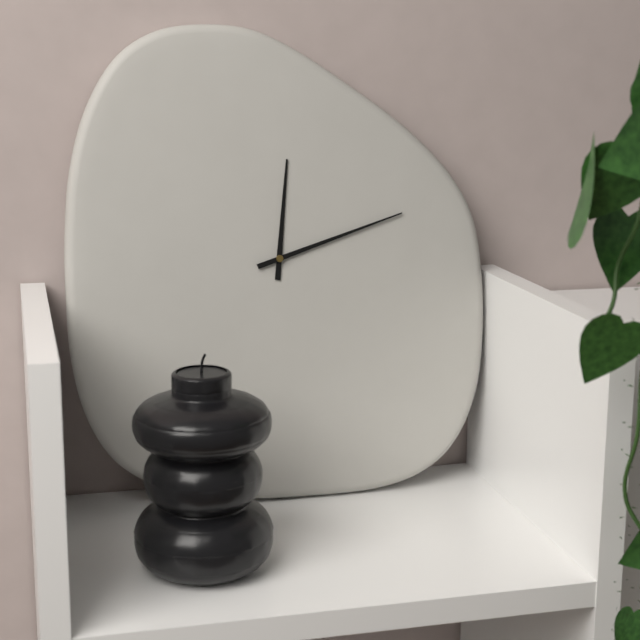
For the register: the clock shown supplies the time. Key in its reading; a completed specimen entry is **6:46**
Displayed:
**12:12**
